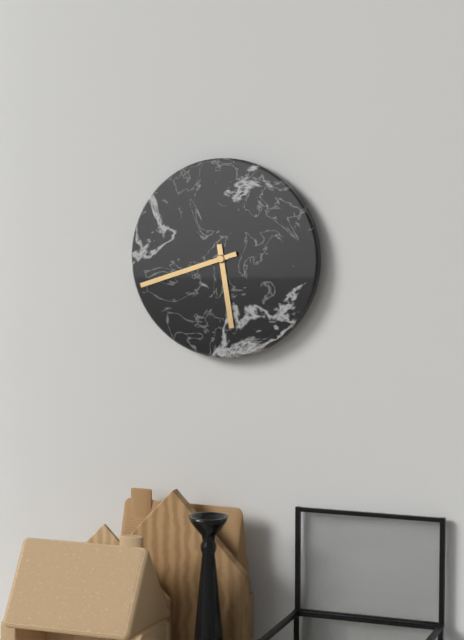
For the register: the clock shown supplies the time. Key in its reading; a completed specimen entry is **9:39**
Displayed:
**5:42**
